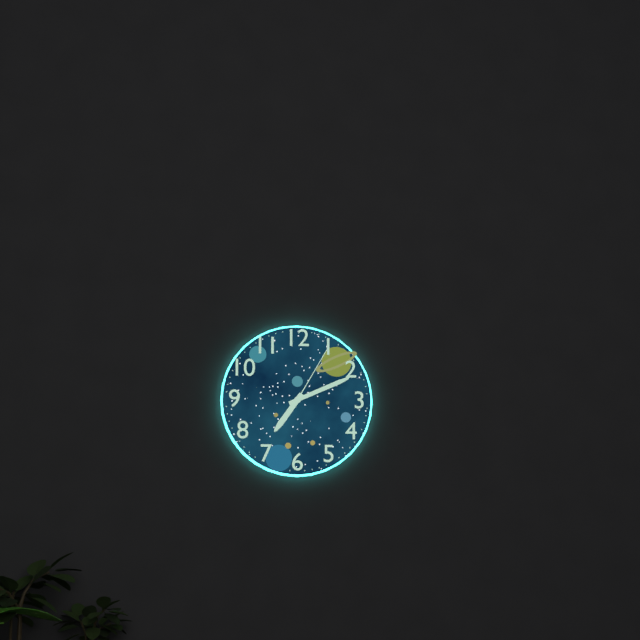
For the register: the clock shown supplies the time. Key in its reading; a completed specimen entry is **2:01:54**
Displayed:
**7:11:05**
